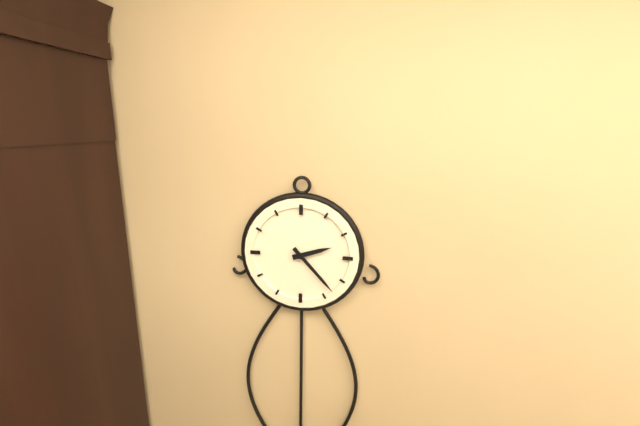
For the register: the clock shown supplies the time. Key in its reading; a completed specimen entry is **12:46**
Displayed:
**2:23**
